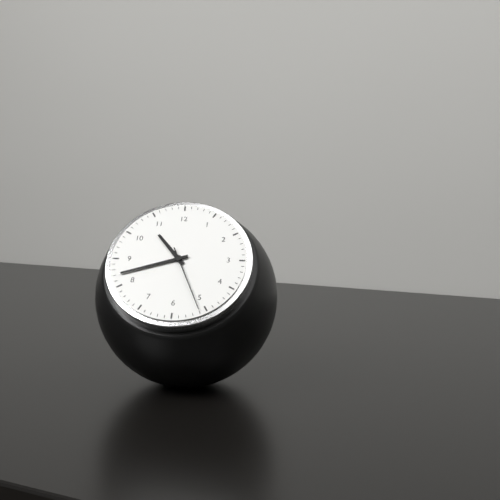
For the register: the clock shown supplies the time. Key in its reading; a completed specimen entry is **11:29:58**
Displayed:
**10:42:26**
